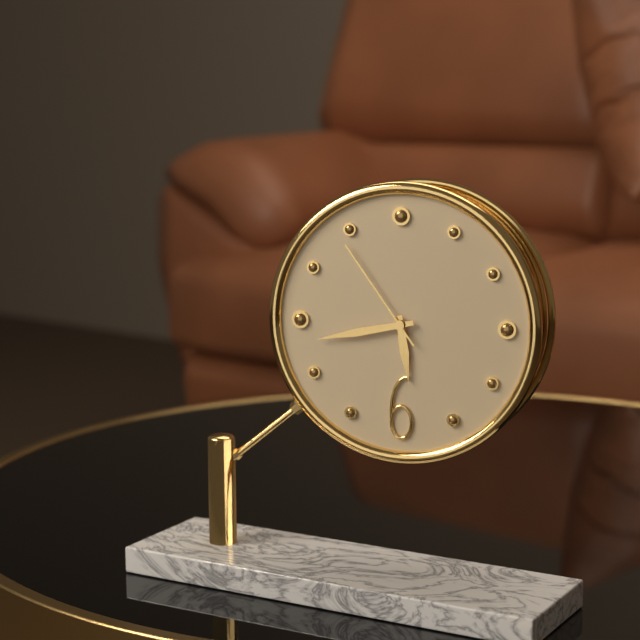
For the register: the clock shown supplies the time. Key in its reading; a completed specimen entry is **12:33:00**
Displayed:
**5:43:54**
